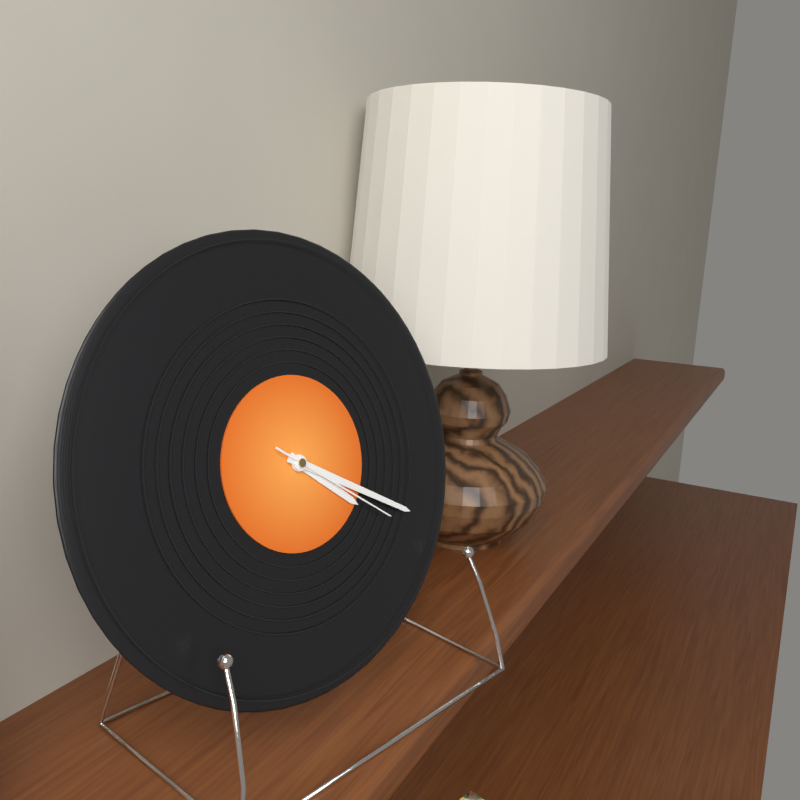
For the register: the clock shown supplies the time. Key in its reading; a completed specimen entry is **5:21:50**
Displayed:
**4:20:21**
